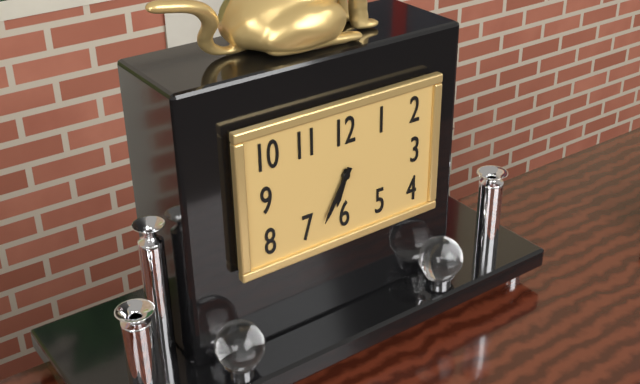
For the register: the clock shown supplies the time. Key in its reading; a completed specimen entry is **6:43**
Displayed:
**6:35**
